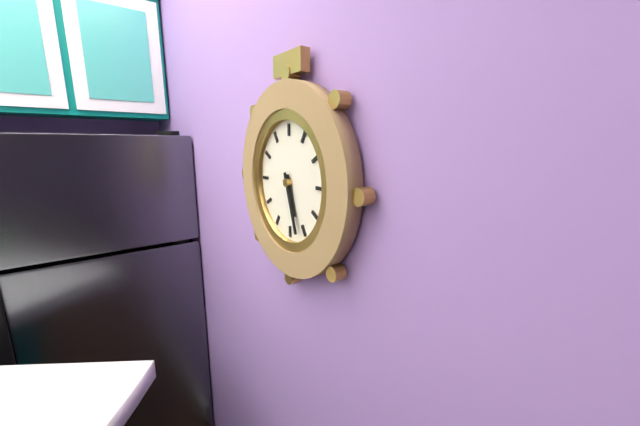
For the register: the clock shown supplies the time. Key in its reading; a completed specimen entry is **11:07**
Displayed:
**5:27**
